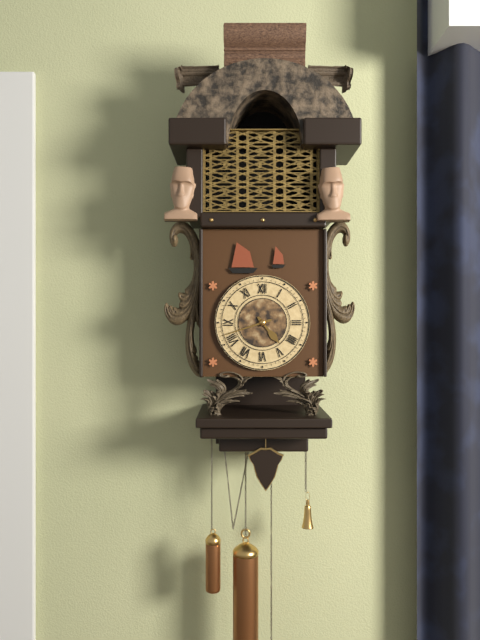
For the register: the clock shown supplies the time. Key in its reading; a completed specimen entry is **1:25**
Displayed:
**4:42**
